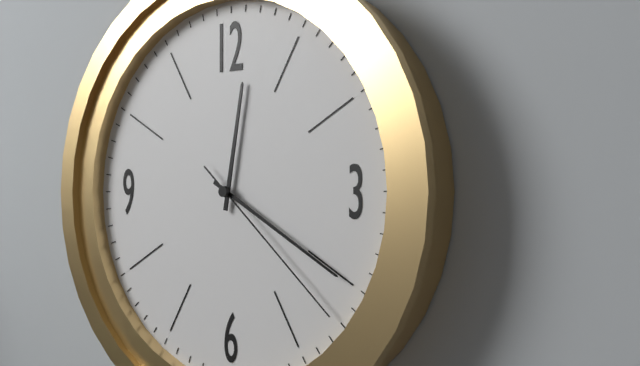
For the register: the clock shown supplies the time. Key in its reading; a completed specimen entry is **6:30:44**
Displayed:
**12:20:22**
